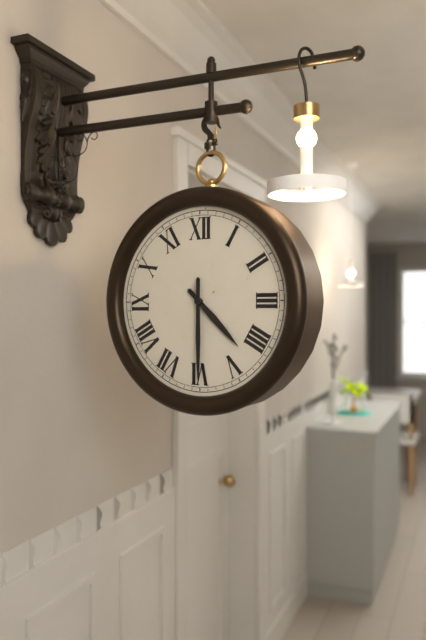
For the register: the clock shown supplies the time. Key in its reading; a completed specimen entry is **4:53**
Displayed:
**4:30**
